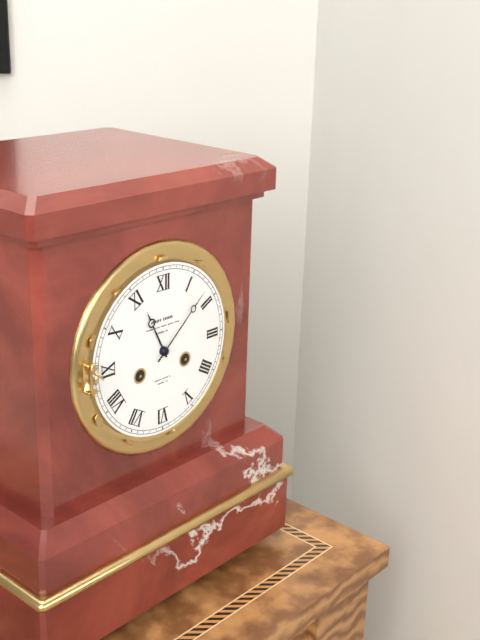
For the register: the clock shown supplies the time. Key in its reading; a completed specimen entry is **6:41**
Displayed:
**11:08**
